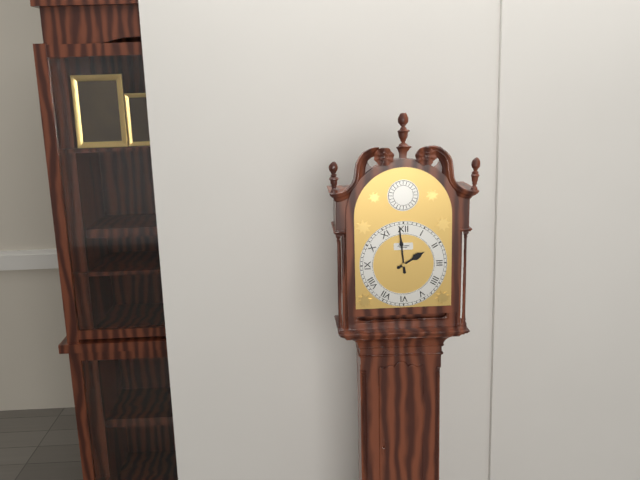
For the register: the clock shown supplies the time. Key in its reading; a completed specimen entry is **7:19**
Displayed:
**1:59**
